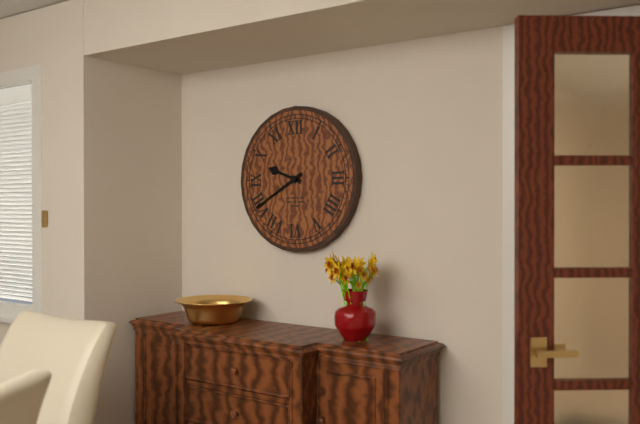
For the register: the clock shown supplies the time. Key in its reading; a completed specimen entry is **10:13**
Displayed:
**9:40**
